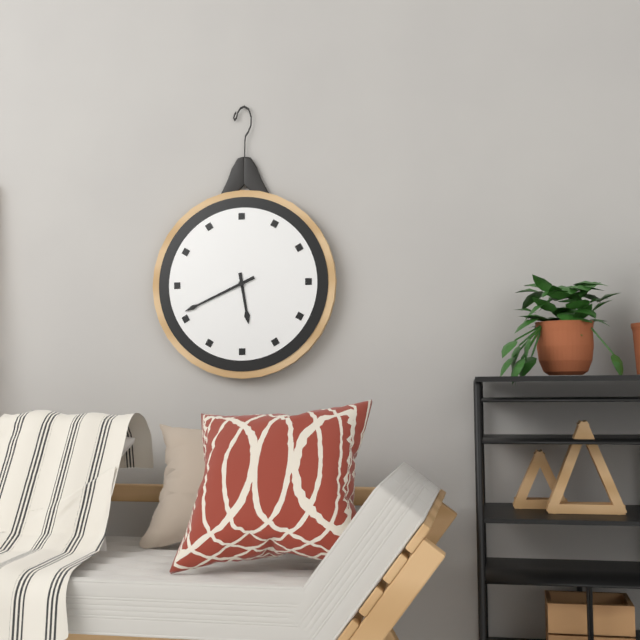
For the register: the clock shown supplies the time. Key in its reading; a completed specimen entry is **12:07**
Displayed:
**5:41**
